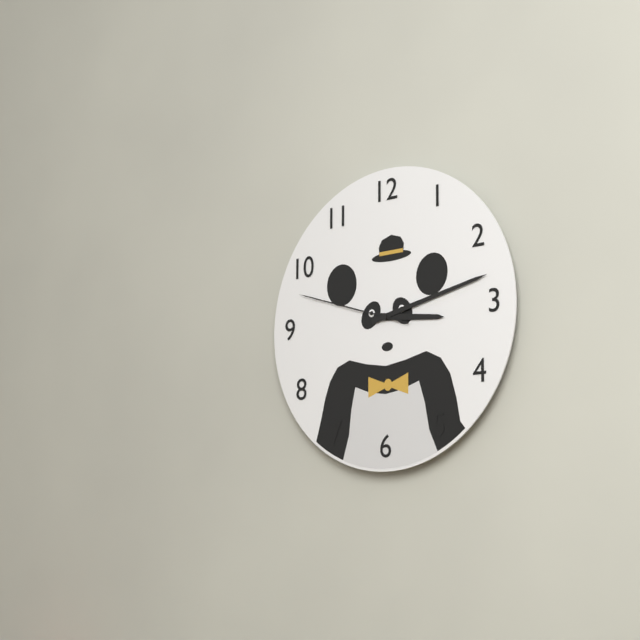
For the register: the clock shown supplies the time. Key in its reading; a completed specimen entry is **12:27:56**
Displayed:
**3:13:48**
